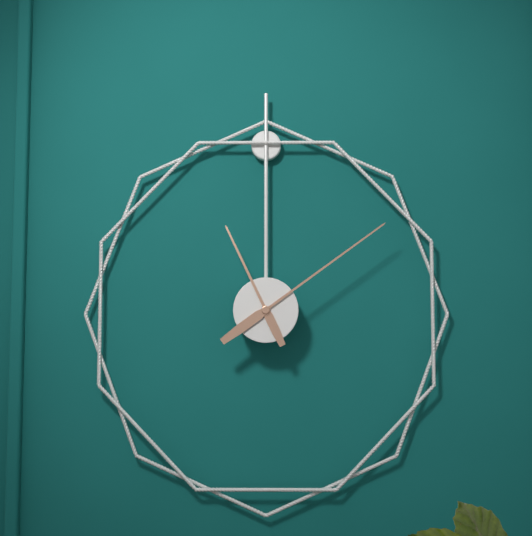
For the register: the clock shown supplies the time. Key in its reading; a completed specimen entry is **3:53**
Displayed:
**11:09**
